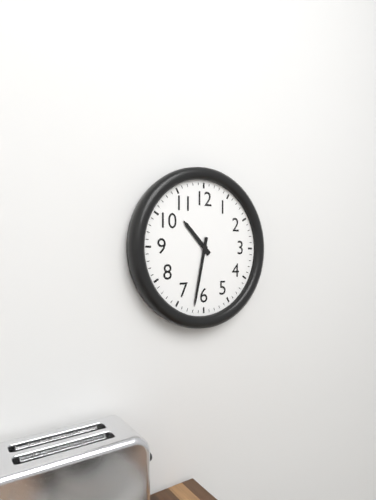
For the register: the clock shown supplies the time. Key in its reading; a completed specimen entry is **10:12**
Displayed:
**10:32**
